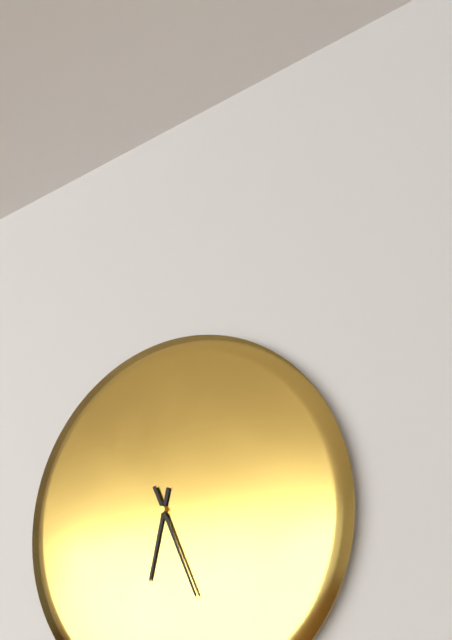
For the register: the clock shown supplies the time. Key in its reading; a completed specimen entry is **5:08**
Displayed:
**6:26**
